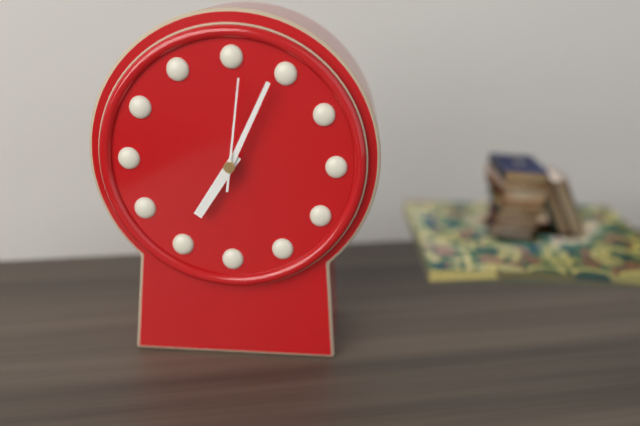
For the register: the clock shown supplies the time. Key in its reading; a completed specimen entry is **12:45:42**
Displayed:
**7:04:01**
